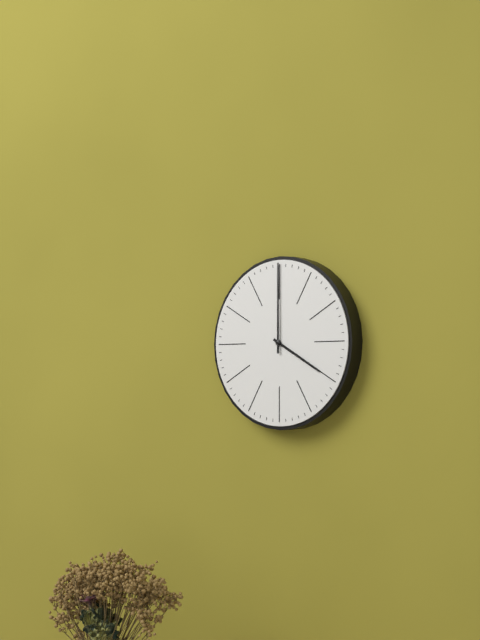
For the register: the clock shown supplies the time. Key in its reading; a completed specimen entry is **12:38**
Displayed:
**4:00**
